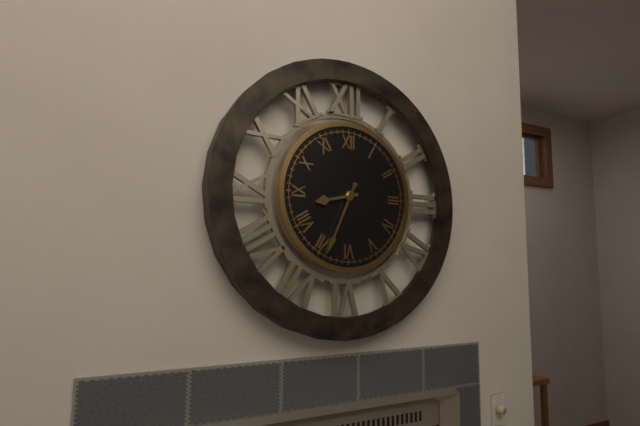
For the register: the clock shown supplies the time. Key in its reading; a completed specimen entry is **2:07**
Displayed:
**8:34**
